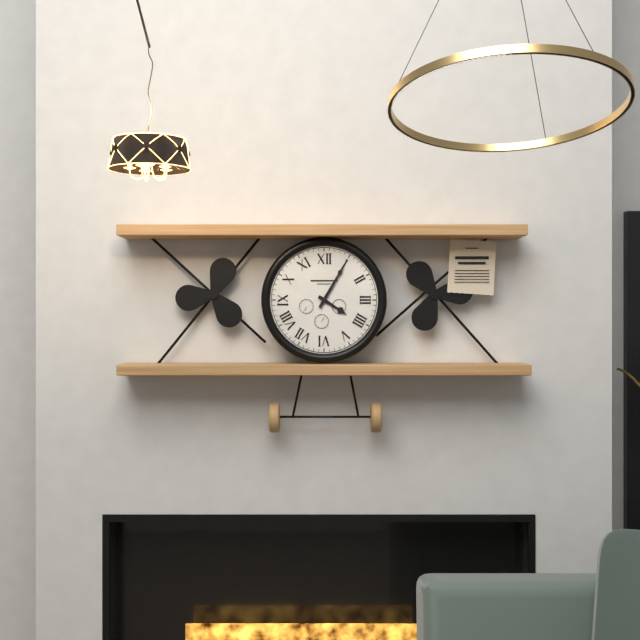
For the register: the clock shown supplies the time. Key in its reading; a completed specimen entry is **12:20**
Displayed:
**4:05**
